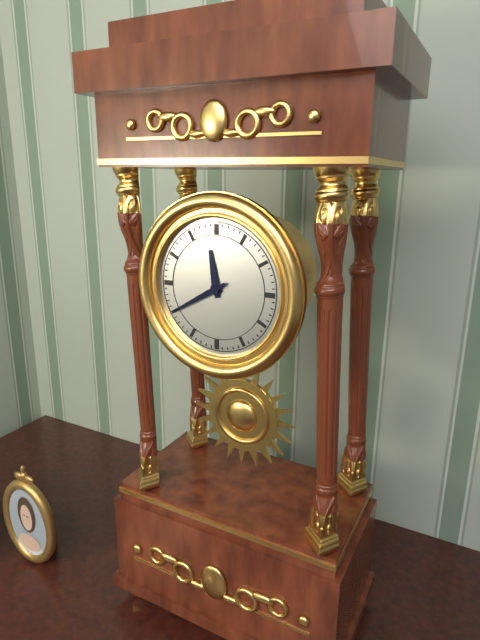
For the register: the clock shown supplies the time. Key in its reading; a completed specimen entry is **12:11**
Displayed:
**11:40**
